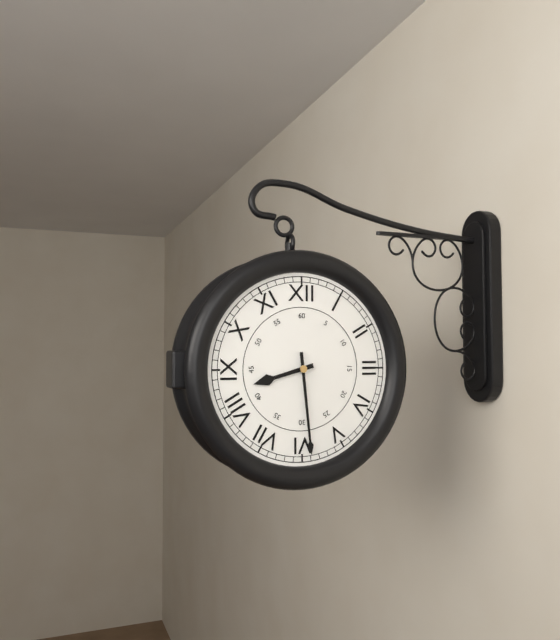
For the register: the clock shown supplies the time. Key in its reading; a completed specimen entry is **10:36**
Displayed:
**8:29**
